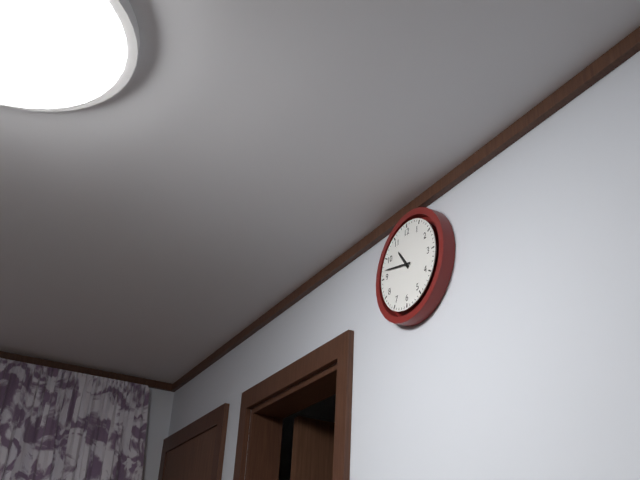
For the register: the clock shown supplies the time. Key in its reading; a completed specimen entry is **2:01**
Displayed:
**10:47**
